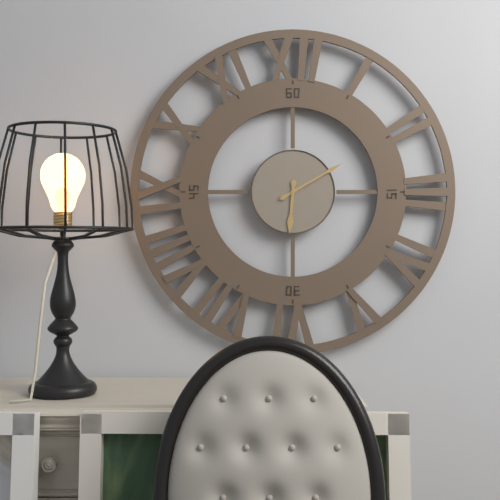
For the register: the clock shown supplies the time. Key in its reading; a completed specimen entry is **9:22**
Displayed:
**6:10**
